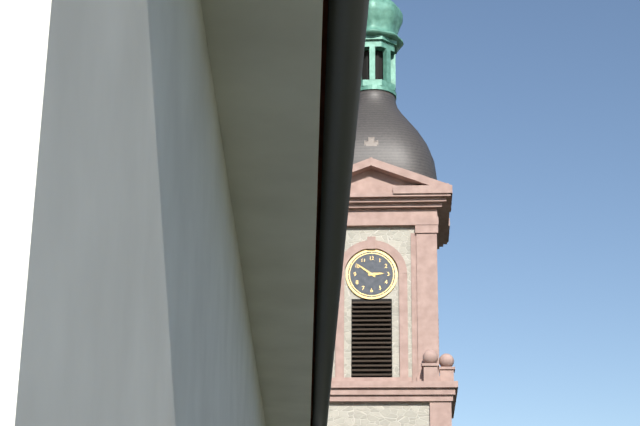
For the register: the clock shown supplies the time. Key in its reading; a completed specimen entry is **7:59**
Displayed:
**2:51**
